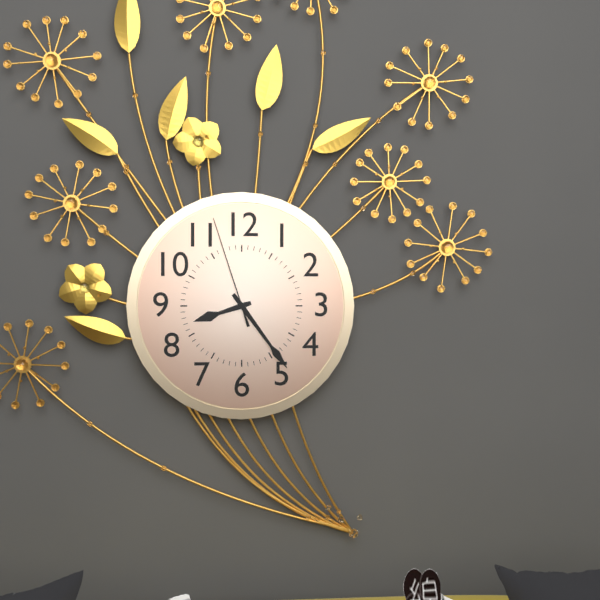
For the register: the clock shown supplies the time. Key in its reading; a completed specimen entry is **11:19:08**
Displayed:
**8:24:57**
